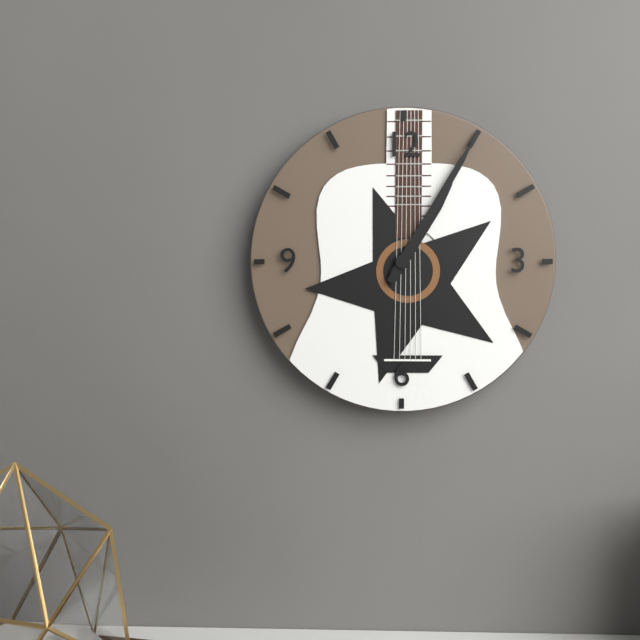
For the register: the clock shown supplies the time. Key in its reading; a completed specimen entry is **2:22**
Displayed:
**1:05**
